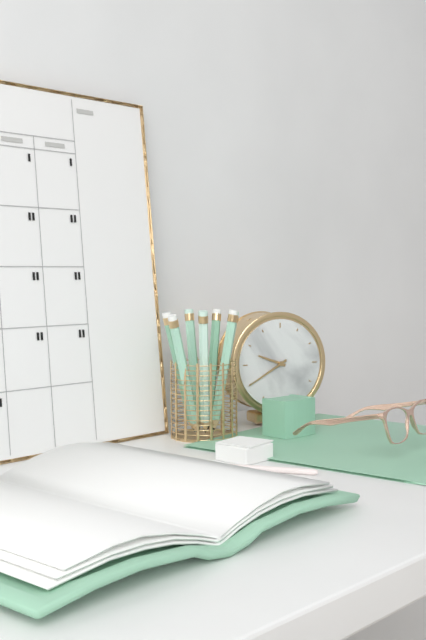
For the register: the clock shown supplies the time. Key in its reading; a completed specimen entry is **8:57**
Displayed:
**9:40**
